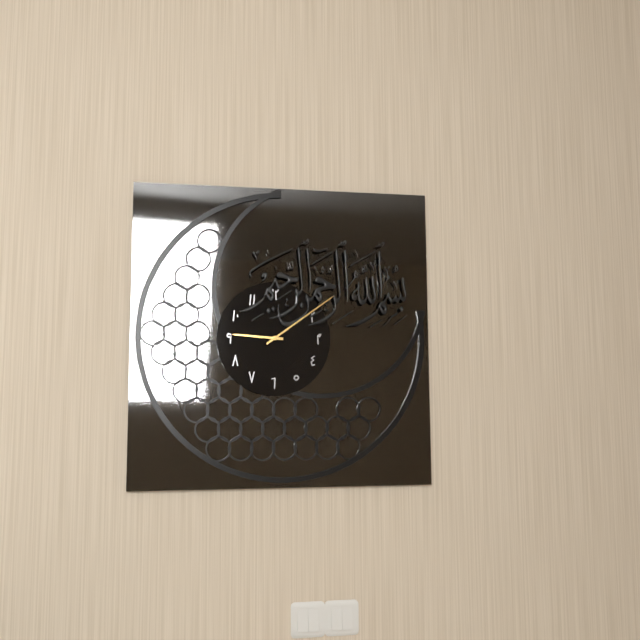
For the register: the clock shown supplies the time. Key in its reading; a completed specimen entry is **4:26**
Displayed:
**9:09**
